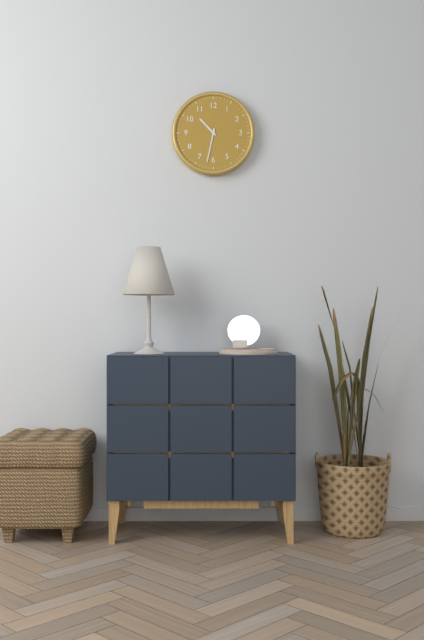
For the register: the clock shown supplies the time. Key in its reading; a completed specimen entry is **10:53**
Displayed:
**10:32**
